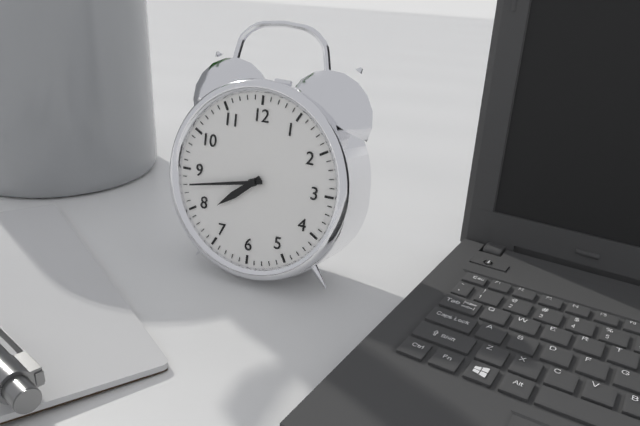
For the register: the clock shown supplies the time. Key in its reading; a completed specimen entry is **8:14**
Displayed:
**7:43**
